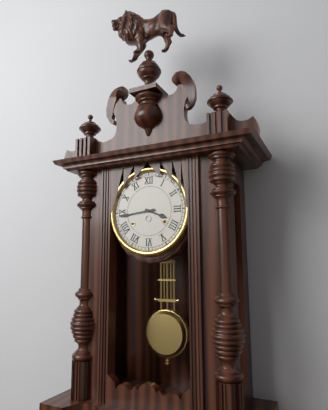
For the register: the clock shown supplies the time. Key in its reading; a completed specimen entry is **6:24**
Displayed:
**3:44**
